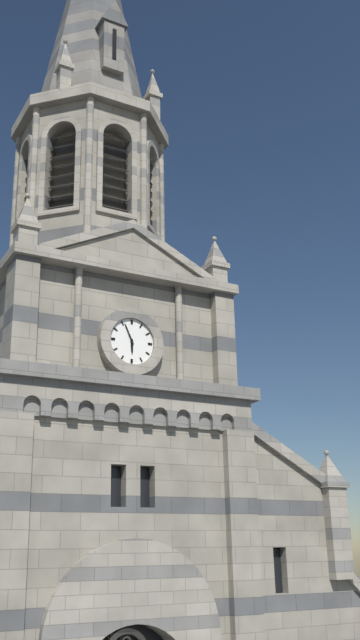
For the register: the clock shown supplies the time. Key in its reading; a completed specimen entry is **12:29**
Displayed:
**5:56**
